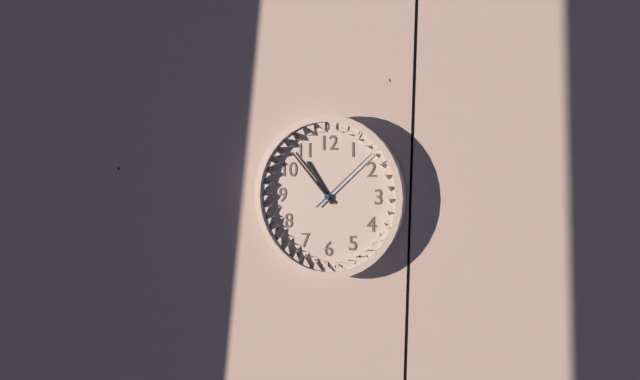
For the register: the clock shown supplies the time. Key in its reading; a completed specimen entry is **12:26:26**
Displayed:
**10:53:08**
